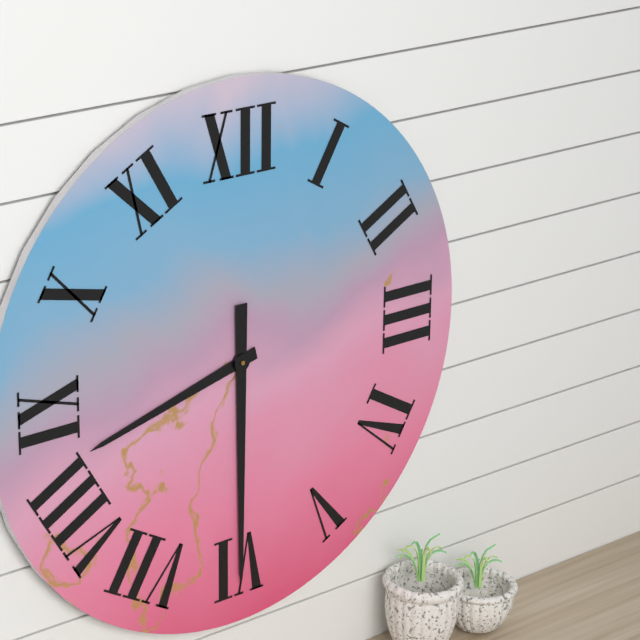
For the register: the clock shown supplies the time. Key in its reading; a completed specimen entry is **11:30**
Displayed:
**8:30**
